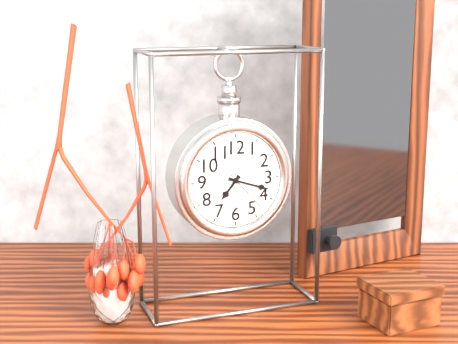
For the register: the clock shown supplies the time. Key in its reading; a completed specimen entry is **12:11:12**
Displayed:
**7:18:23**
